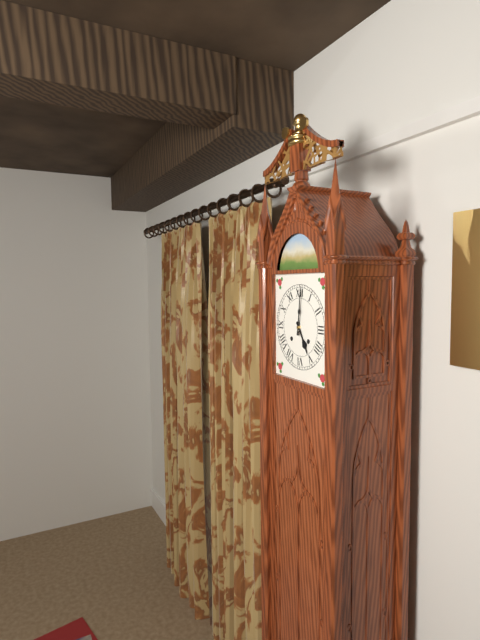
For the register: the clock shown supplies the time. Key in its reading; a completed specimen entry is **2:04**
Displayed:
**5:01**
